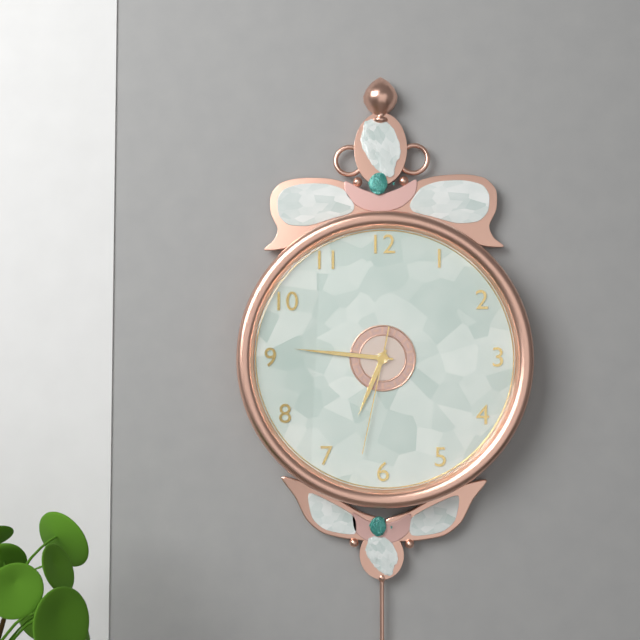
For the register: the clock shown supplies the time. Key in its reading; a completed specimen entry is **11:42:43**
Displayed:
**6:46:32**
